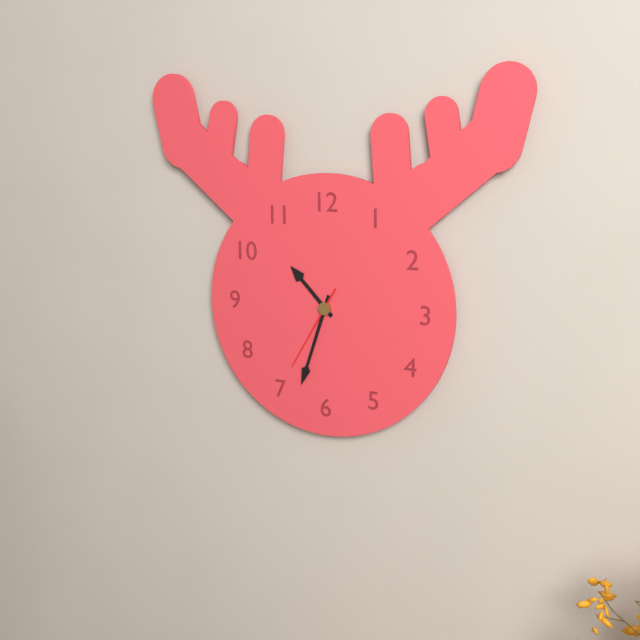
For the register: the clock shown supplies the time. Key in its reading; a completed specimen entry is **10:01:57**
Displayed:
**10:33:35**
